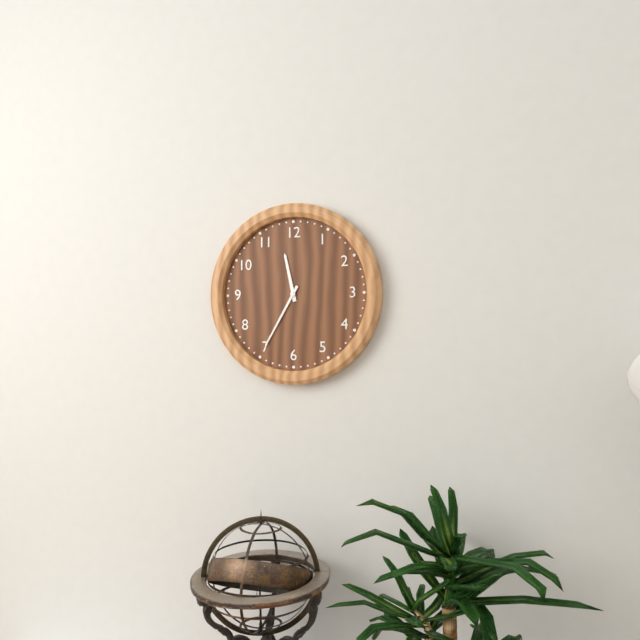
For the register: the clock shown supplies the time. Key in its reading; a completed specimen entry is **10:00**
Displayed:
**11:35**
